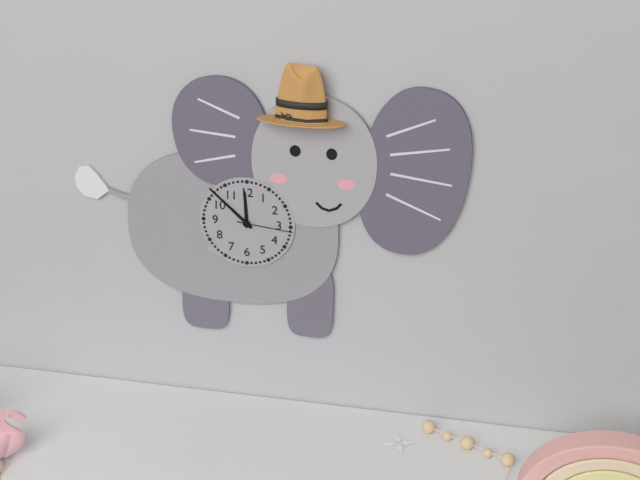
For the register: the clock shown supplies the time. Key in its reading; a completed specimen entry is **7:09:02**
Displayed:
**11:52:16**
